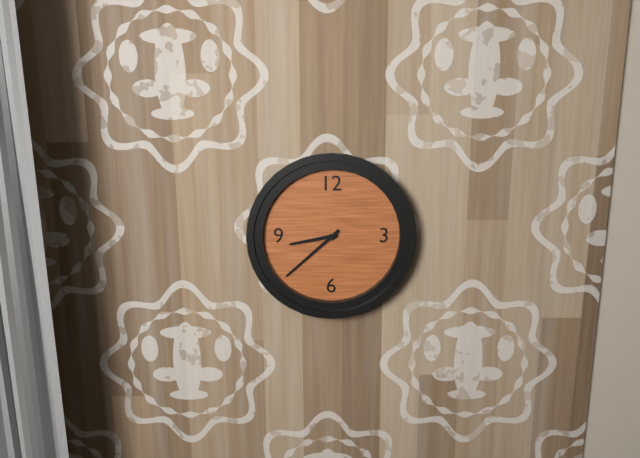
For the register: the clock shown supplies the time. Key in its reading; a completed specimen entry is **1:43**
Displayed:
**8:38**
